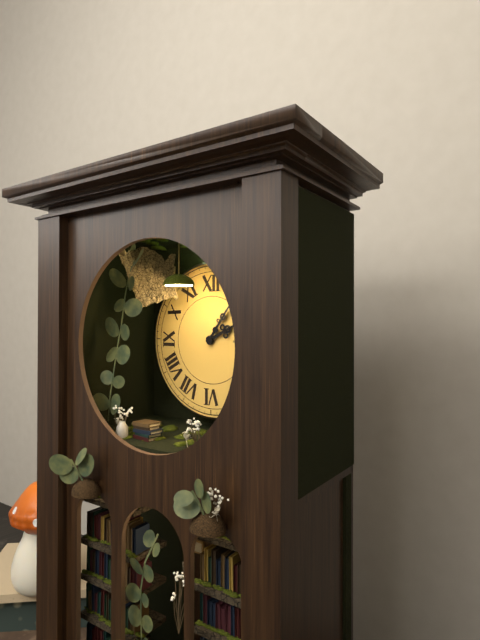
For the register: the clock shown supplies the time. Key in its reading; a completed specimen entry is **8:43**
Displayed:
**2:06**
